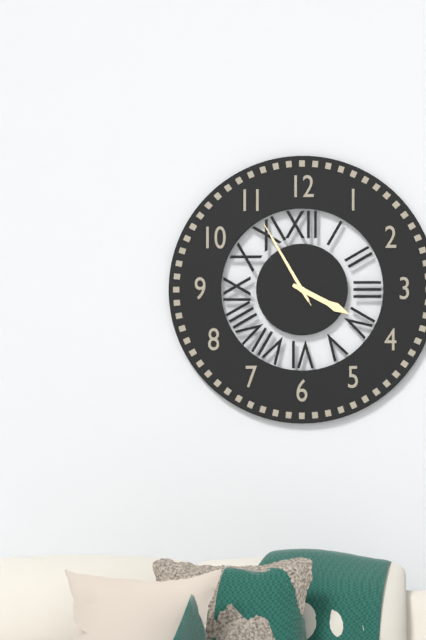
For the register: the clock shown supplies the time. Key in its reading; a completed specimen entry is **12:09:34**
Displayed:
**3:55:55**
